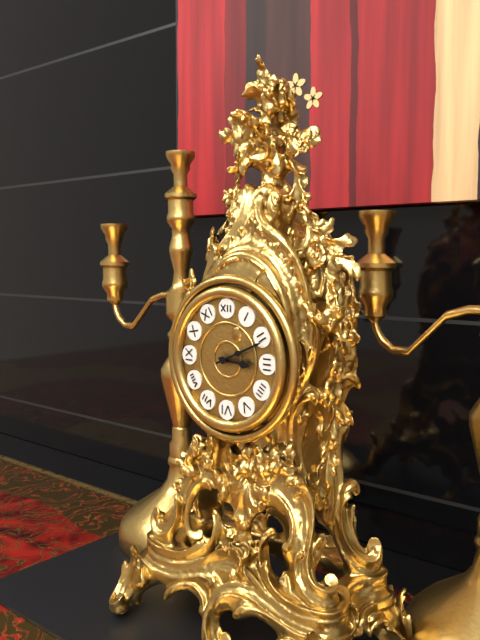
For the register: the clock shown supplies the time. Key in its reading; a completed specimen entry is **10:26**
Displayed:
**3:11**
